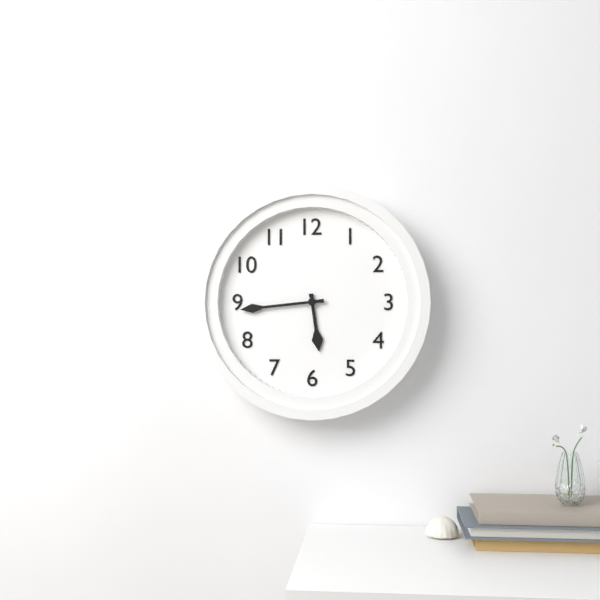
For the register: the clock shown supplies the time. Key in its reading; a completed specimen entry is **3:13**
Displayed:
**5:44**
